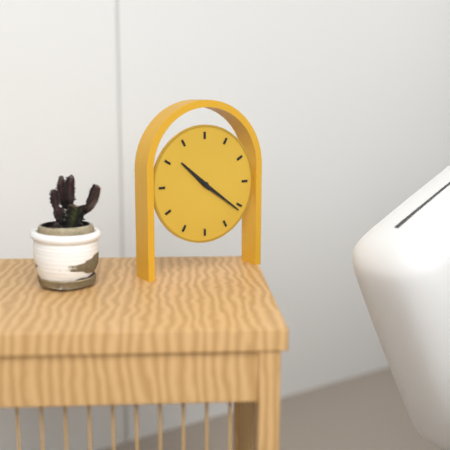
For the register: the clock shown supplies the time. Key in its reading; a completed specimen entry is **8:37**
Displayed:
**10:21**
